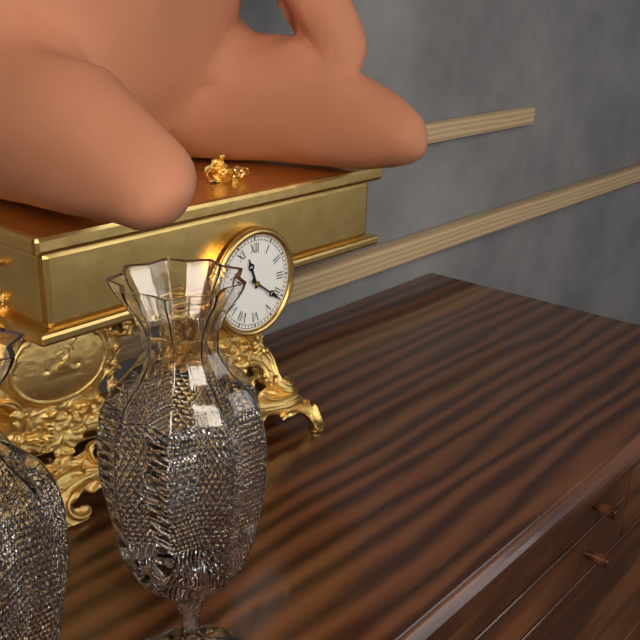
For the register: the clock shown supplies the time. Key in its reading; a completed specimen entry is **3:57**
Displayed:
**11:21**
